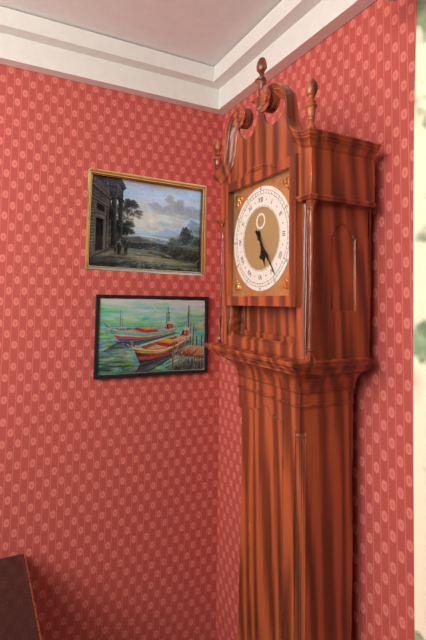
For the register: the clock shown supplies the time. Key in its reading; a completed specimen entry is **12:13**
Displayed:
**5:24**
